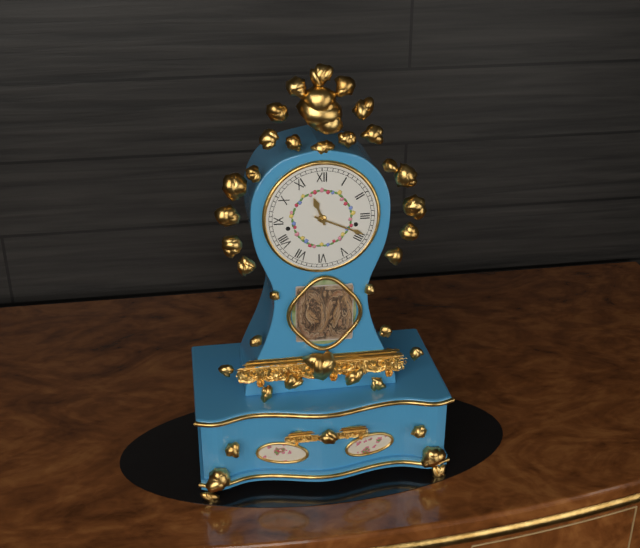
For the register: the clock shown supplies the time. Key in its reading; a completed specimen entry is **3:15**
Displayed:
**11:19**
